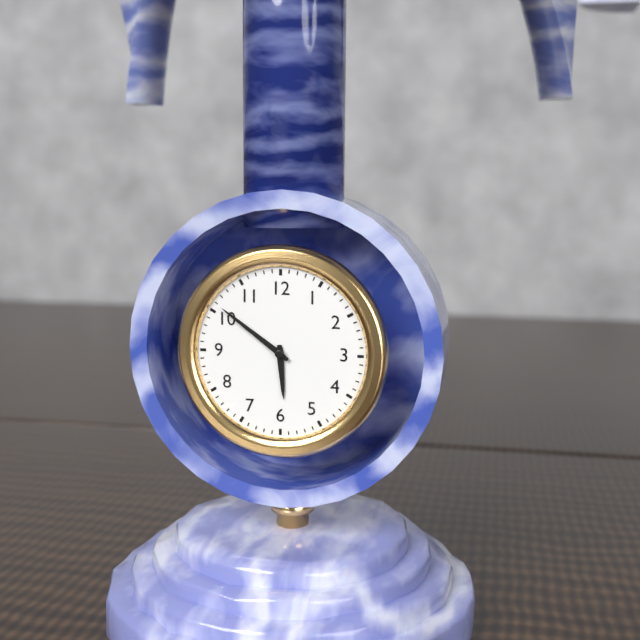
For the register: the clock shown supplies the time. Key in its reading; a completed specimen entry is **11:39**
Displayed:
**5:51**
